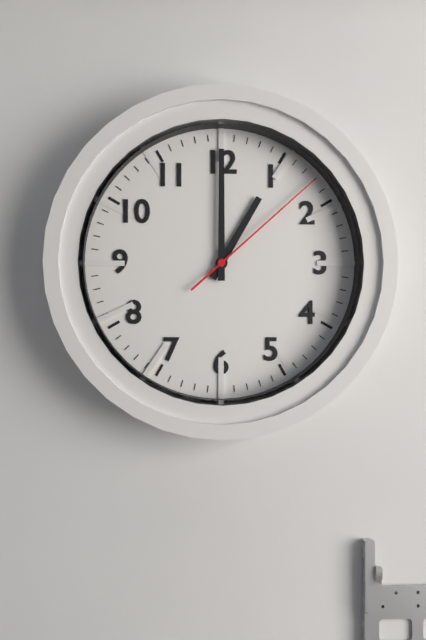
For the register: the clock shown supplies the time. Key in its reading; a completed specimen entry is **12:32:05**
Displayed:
**1:00:08**
